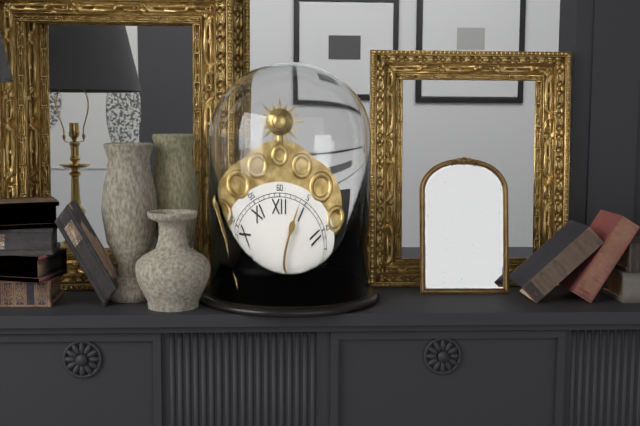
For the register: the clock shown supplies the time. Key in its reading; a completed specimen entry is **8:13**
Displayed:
**5:04**
